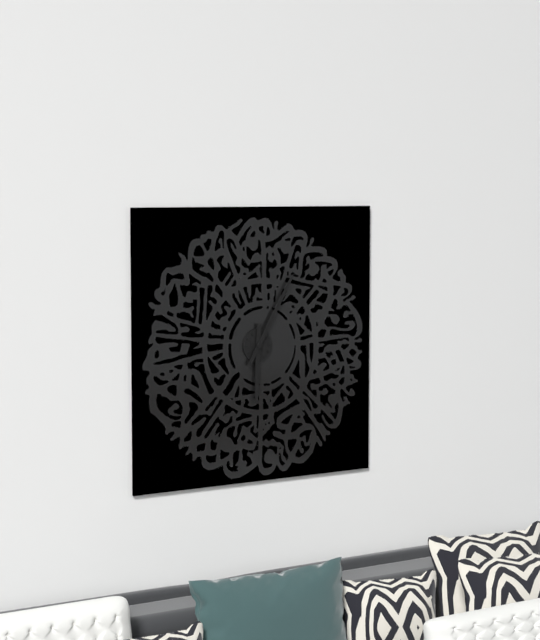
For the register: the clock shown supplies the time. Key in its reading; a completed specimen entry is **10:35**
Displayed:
**6:05**
